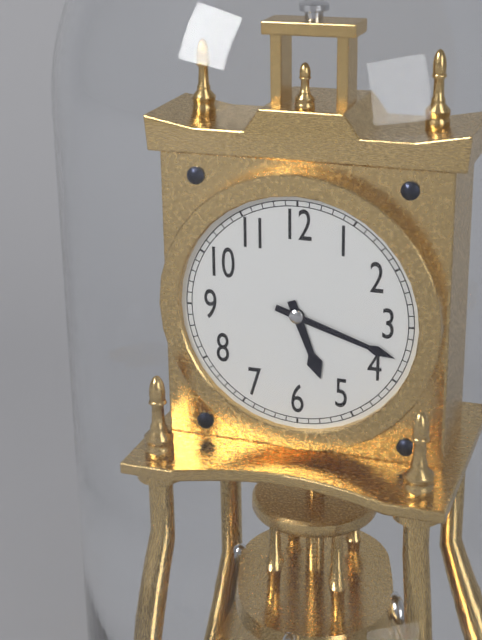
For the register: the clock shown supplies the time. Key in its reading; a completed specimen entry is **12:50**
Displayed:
**5:18**
